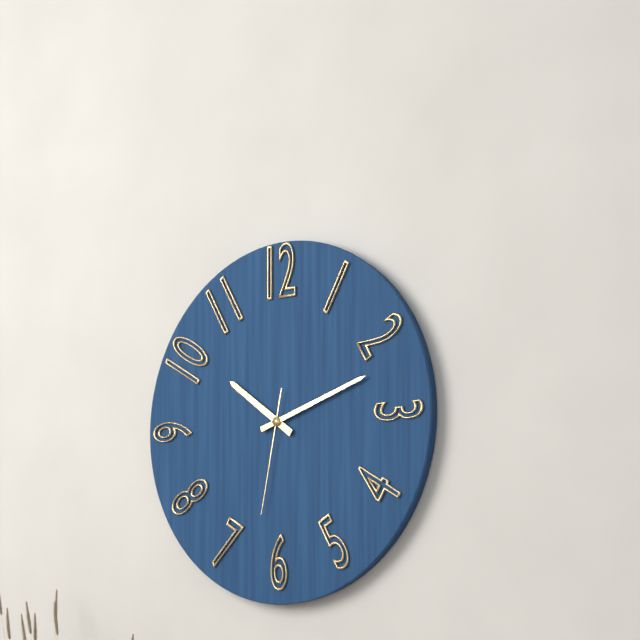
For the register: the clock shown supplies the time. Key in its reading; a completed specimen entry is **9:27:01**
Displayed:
**10:12:32**
